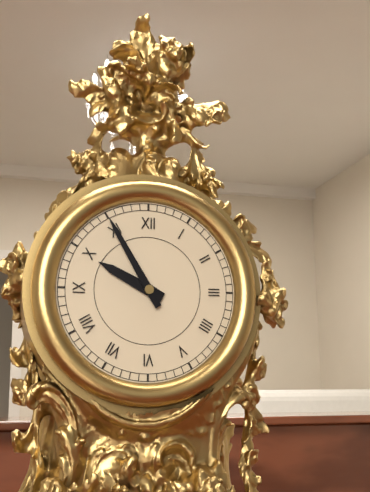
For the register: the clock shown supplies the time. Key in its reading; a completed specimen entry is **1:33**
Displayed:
**9:55**
